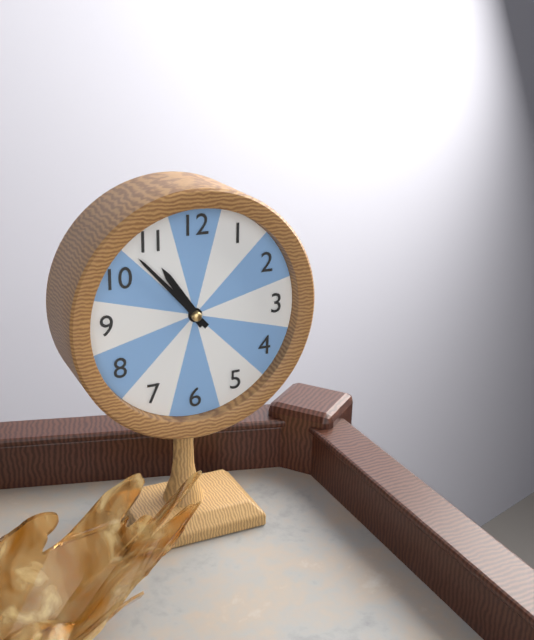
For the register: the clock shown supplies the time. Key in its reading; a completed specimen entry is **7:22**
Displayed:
**10:53**
